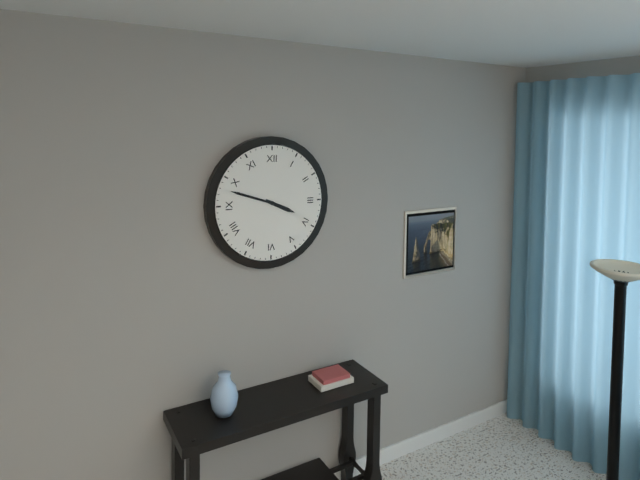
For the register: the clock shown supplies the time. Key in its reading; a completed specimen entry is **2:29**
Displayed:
**3:48**
